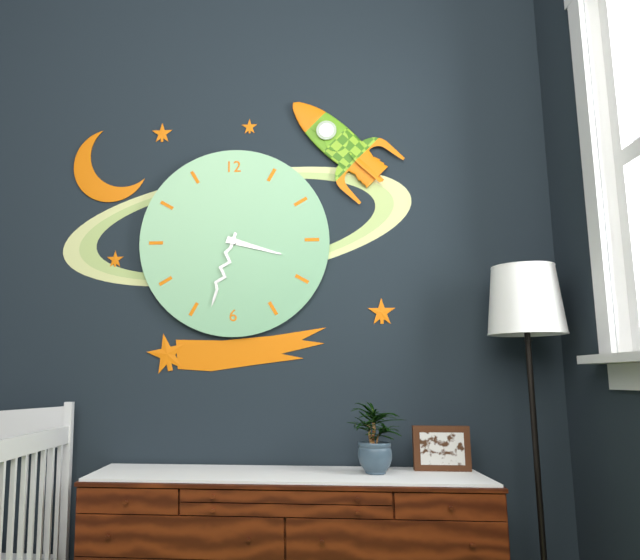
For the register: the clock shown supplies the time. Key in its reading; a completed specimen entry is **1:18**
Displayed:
**3:33**
